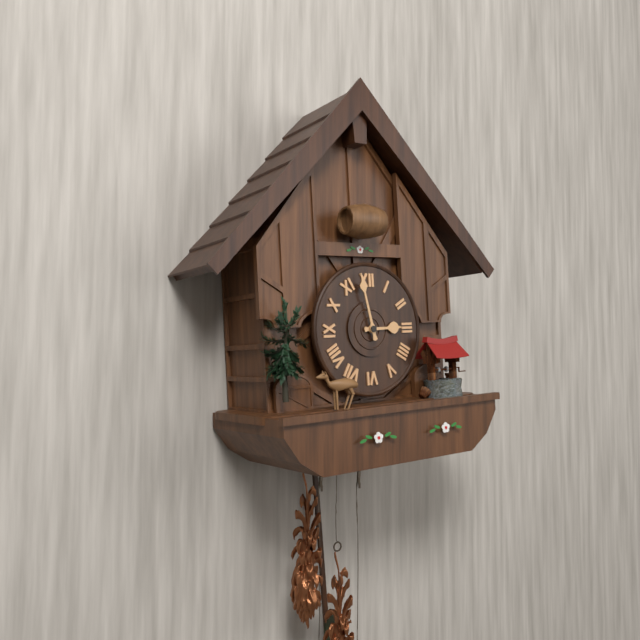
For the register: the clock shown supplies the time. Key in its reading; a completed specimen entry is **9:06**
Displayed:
**2:58**
